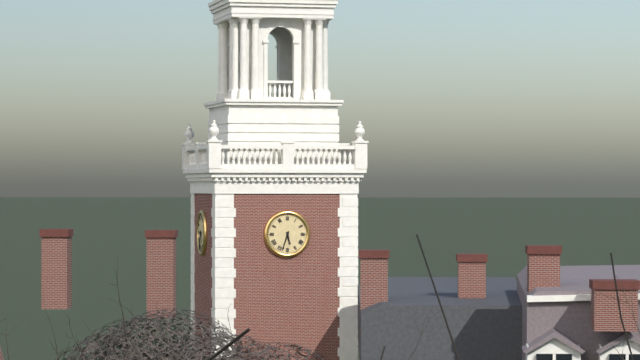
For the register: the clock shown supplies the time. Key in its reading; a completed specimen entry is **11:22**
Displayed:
**5:33**
